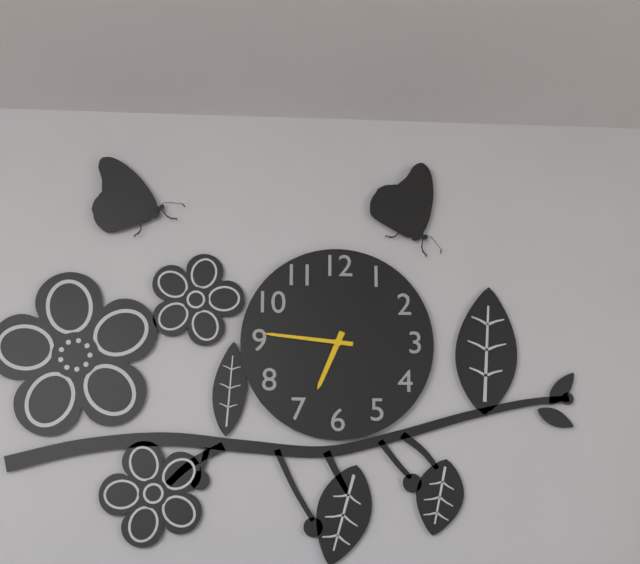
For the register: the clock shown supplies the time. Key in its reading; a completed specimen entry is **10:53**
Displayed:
**6:46**
